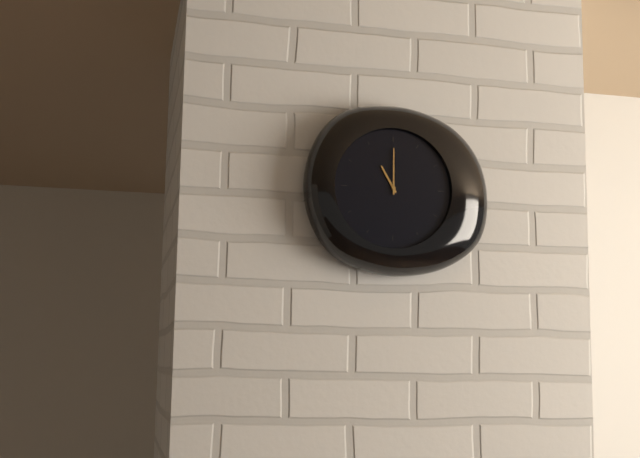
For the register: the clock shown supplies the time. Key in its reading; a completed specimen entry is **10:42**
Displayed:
**11:00**
